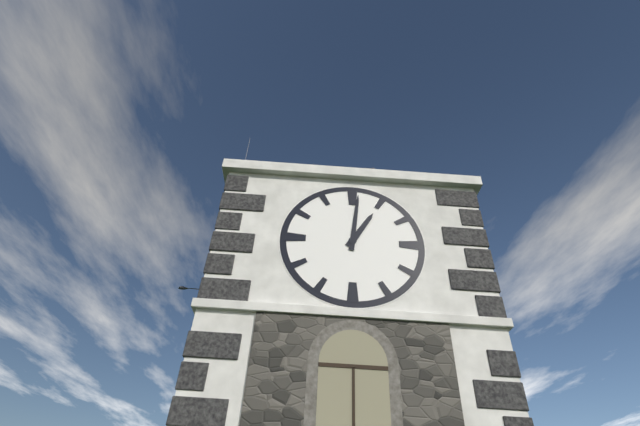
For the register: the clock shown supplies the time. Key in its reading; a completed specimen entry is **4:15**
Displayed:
**1:01**
